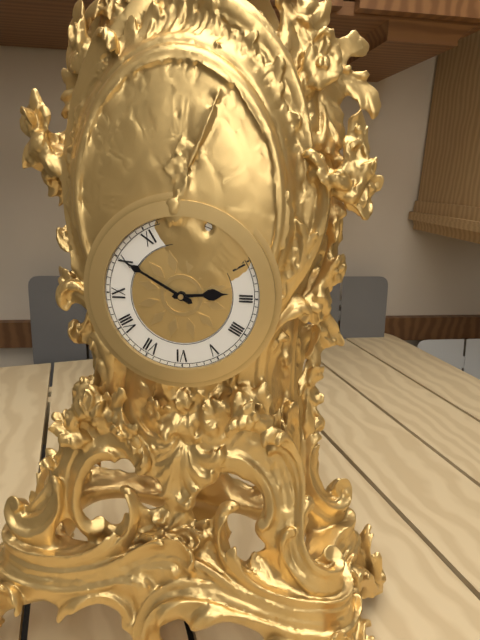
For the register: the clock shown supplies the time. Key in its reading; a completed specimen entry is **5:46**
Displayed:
**2:50**
